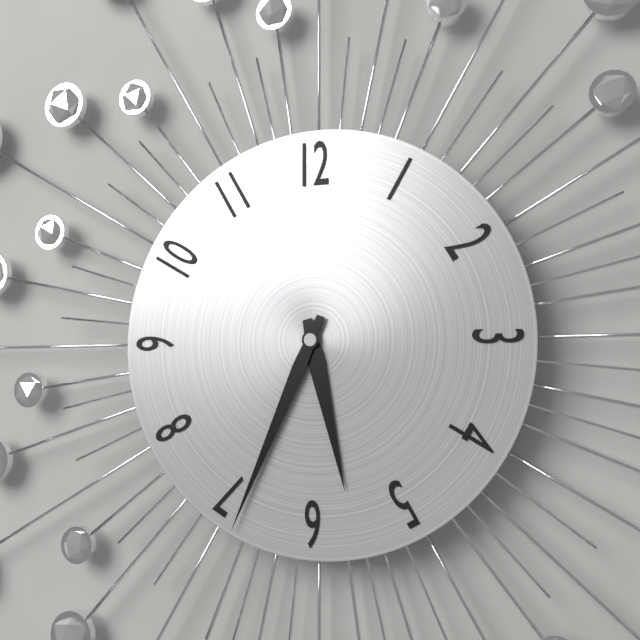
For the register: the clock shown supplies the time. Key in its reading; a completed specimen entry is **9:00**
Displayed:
**5:34**
